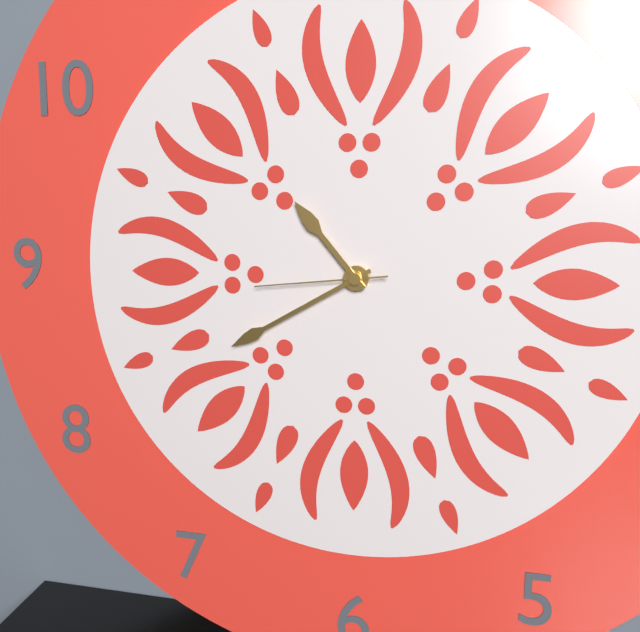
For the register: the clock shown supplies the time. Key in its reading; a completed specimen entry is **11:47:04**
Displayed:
**10:40:44**
